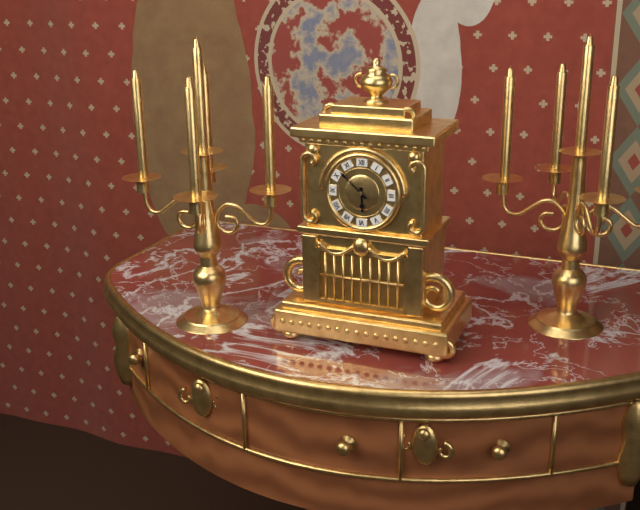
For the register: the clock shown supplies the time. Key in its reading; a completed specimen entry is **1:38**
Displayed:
**5:52**
